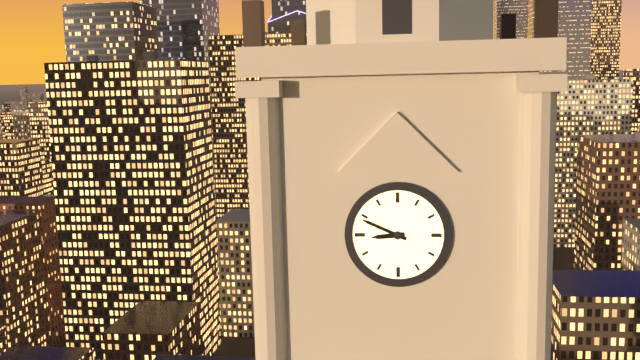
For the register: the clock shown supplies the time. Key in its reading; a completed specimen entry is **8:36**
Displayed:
**8:49**
